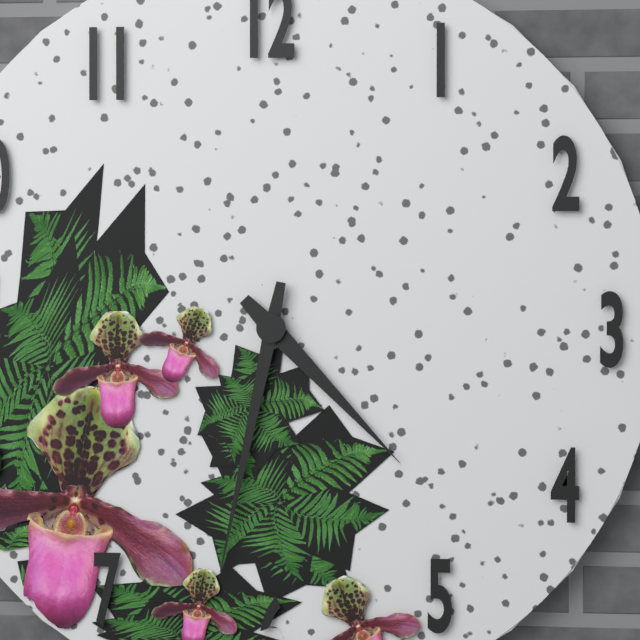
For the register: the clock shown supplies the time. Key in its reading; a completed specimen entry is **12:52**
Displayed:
**4:32**
